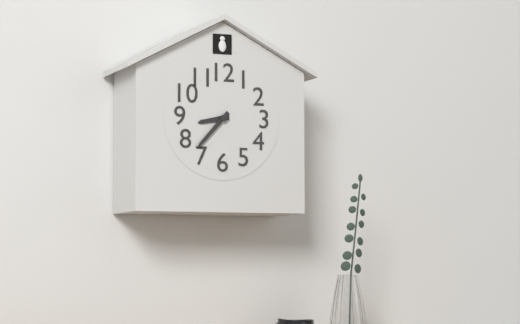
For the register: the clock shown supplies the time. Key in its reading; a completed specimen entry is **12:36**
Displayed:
**8:37**
